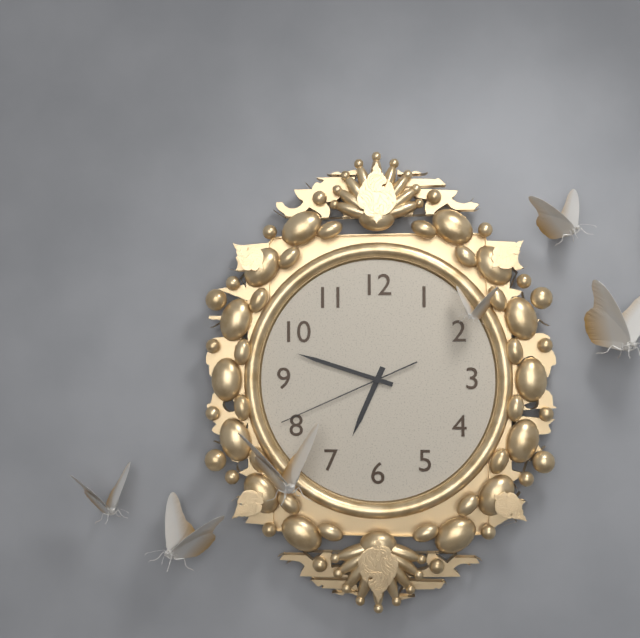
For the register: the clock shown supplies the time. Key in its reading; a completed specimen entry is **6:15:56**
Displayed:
**6:48:41**
